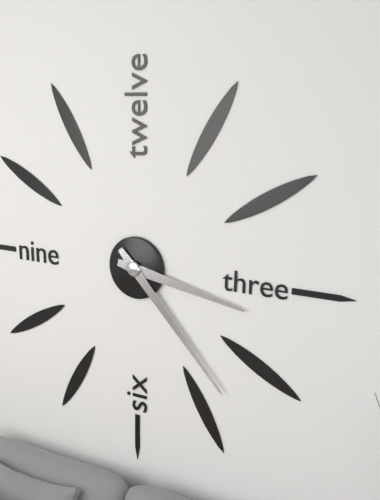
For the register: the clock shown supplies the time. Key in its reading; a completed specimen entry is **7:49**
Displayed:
**3:23**
